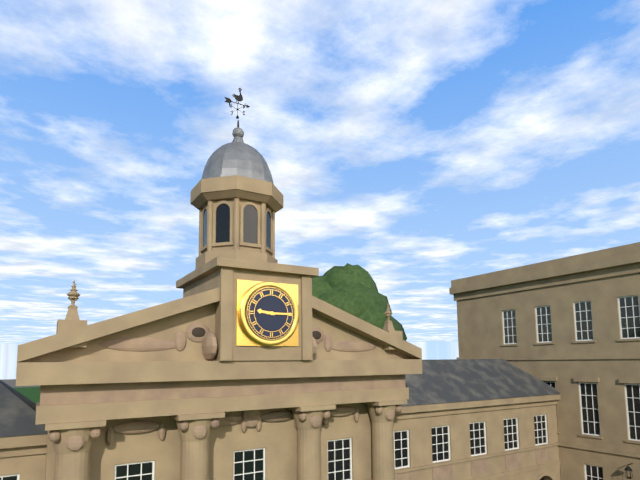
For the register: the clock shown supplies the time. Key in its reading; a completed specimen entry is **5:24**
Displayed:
**9:15**
